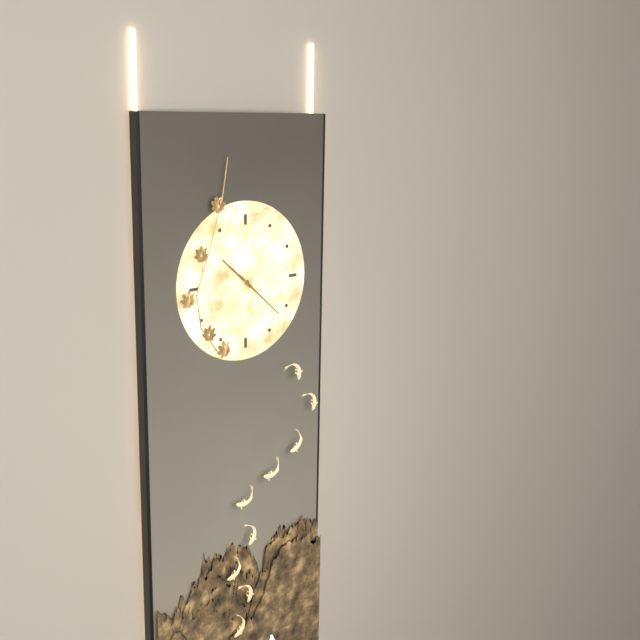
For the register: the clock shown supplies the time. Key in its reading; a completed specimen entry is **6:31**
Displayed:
**10:22**
